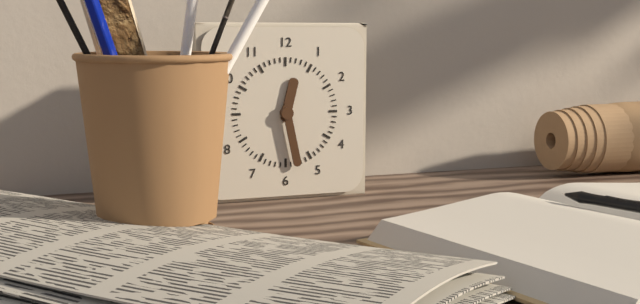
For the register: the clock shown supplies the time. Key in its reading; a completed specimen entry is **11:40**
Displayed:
**12:28**
